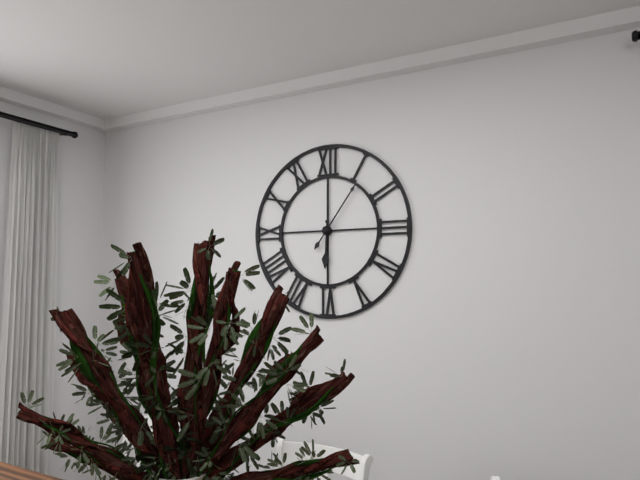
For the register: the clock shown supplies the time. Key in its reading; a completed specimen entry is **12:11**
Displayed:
**6:06**
